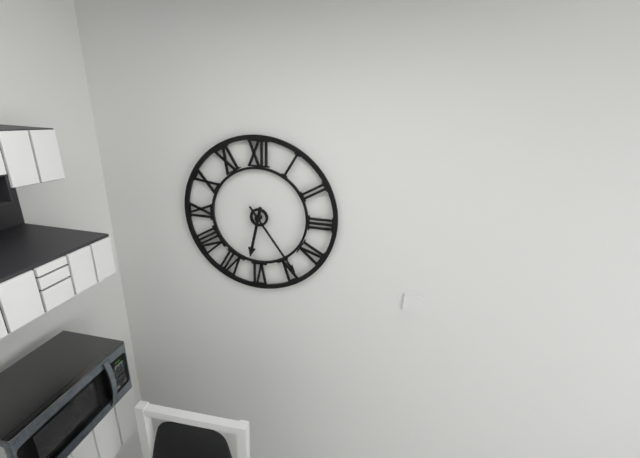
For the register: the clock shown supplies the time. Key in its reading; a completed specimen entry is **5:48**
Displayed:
**6:24**
